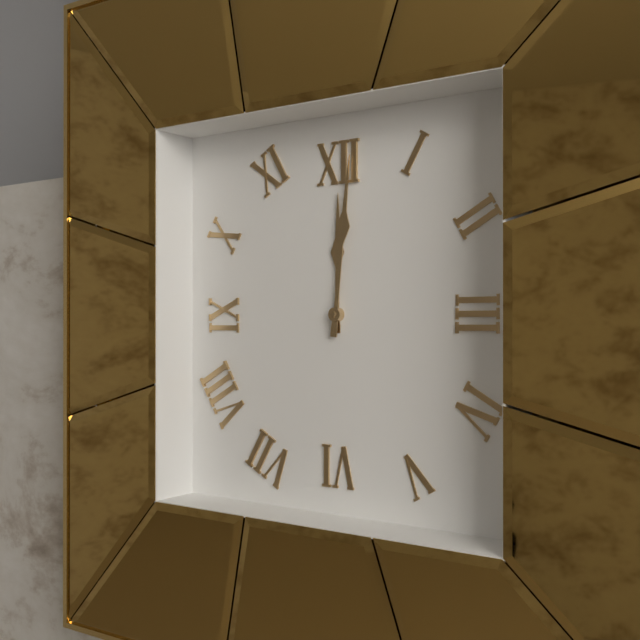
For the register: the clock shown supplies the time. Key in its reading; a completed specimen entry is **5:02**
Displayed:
**12:01**
